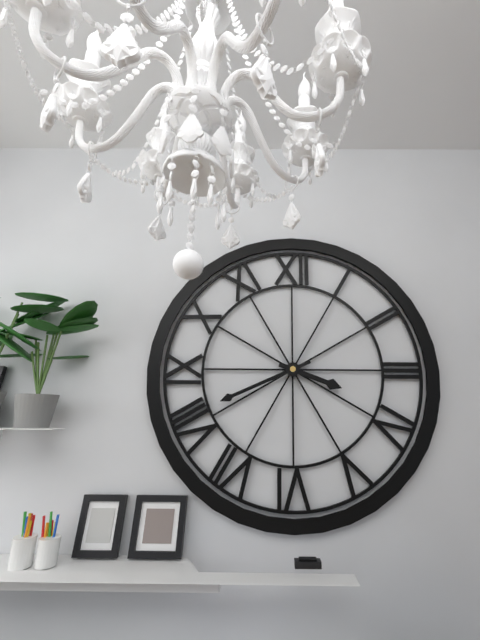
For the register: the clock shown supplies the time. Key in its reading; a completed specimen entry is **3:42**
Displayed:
**3:41**
